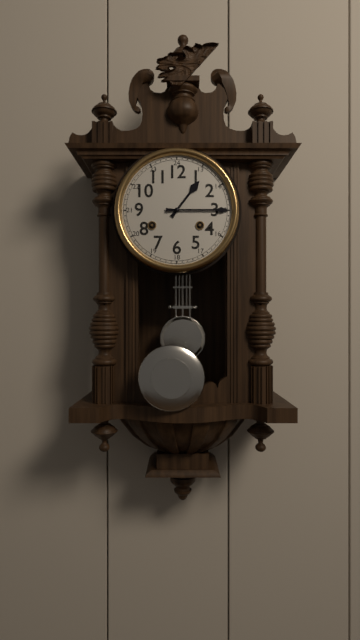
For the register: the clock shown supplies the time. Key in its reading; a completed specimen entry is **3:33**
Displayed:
**1:15**
